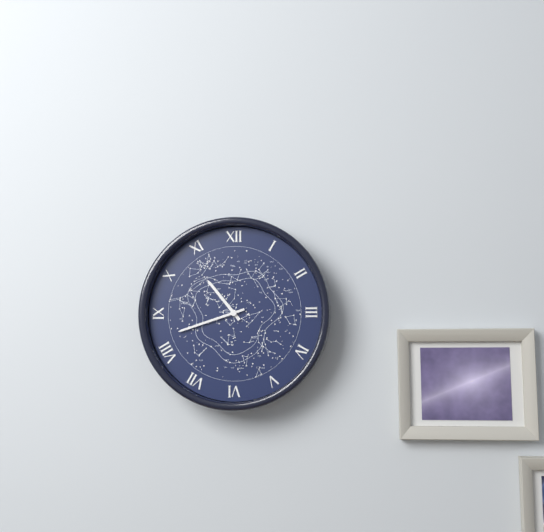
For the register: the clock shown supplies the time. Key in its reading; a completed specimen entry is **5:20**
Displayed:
**10:42**
